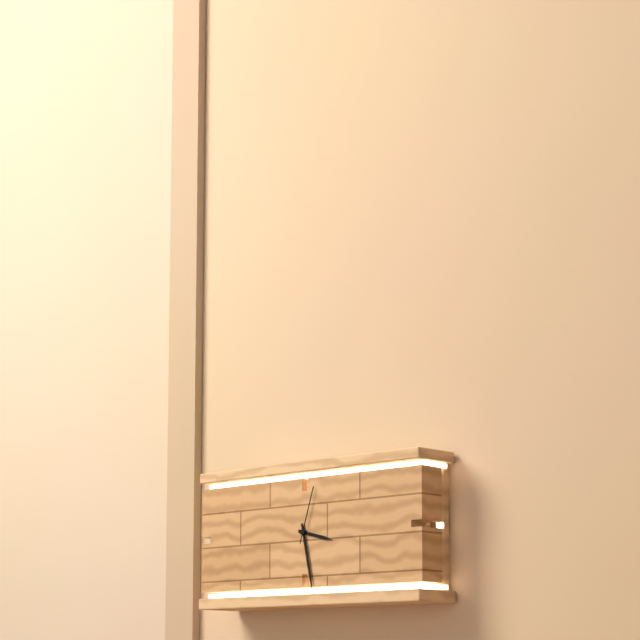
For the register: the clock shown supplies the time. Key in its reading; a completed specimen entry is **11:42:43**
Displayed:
**3:28:03**
